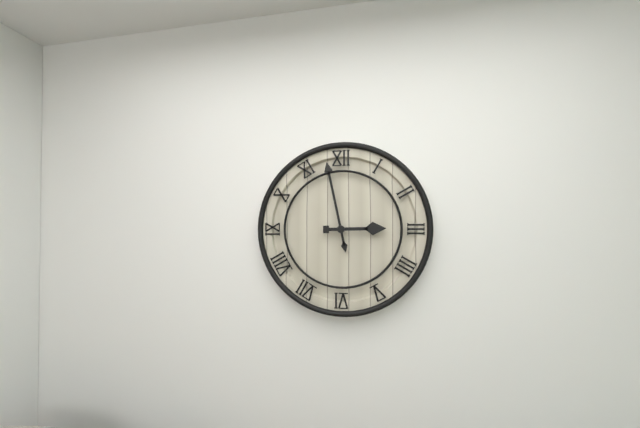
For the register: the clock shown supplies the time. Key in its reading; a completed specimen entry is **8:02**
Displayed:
**2:58**
